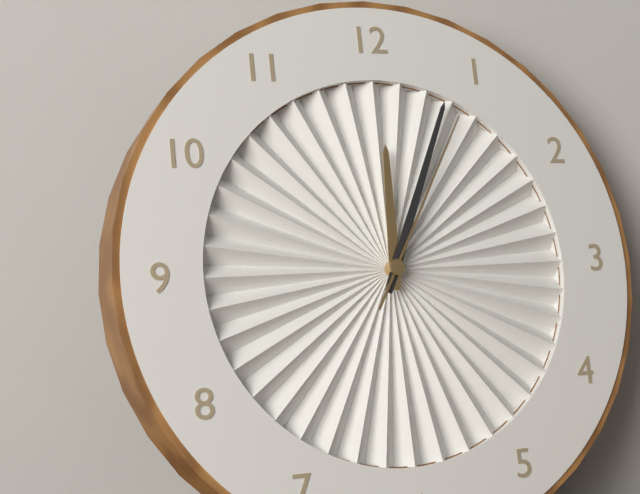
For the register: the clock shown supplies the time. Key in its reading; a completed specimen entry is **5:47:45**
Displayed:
**12:04:05**
